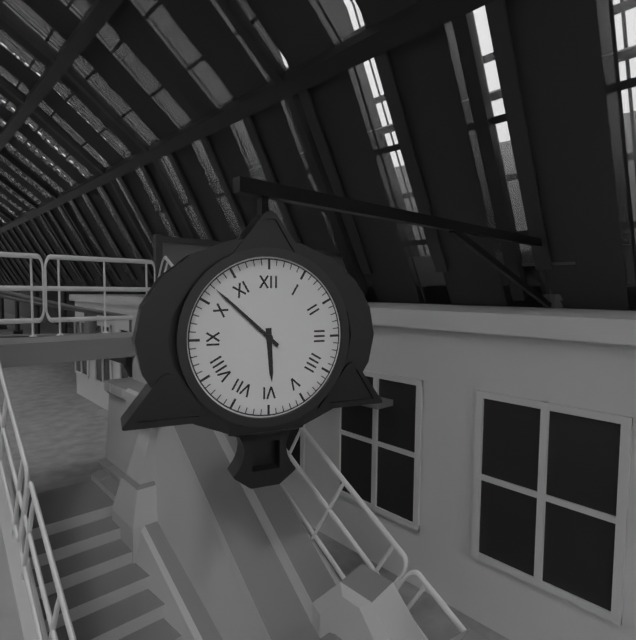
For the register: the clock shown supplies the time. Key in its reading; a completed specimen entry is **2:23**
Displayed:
**5:52**
